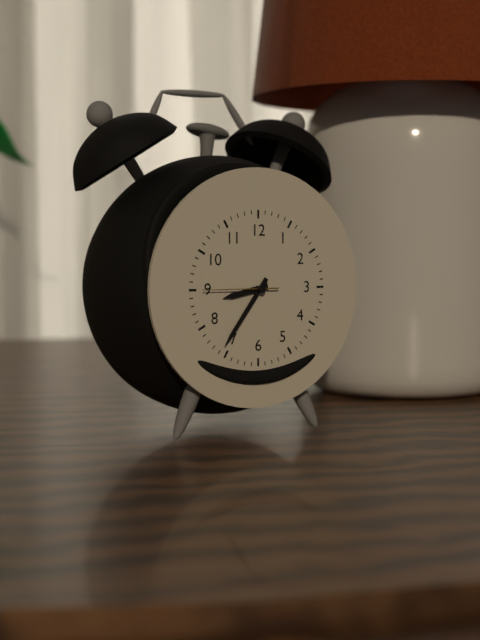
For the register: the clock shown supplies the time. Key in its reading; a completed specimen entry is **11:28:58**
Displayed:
**8:36:45**
